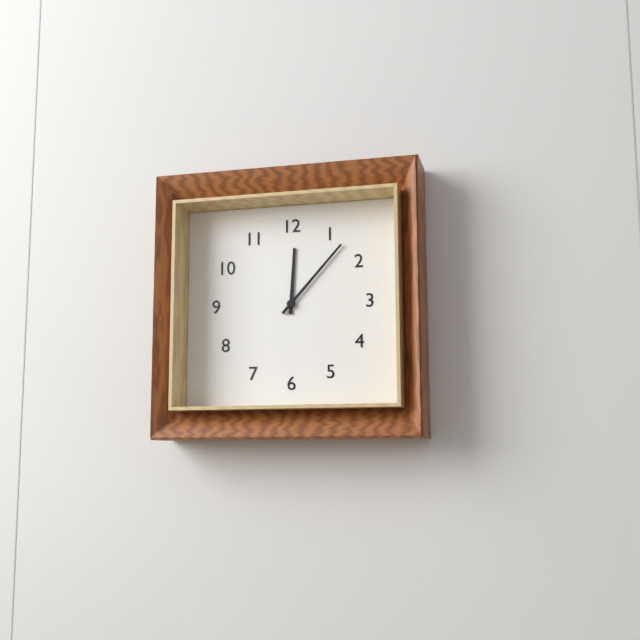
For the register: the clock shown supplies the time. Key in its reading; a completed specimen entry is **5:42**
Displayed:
**12:07**
